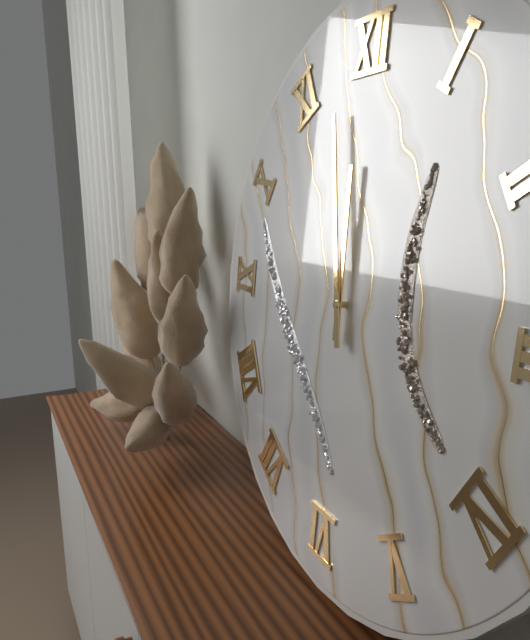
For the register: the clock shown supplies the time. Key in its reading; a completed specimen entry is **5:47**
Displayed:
**11:58**
